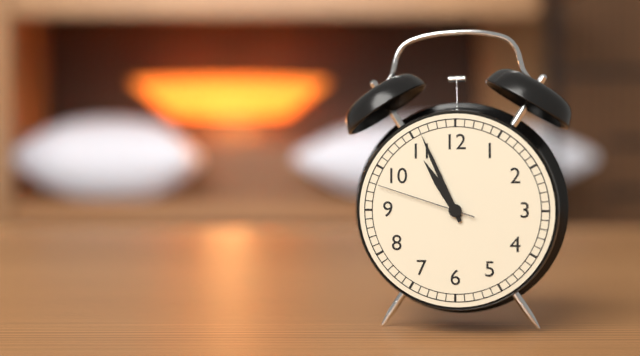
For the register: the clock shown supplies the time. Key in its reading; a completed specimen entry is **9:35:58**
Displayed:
**10:56:48**
